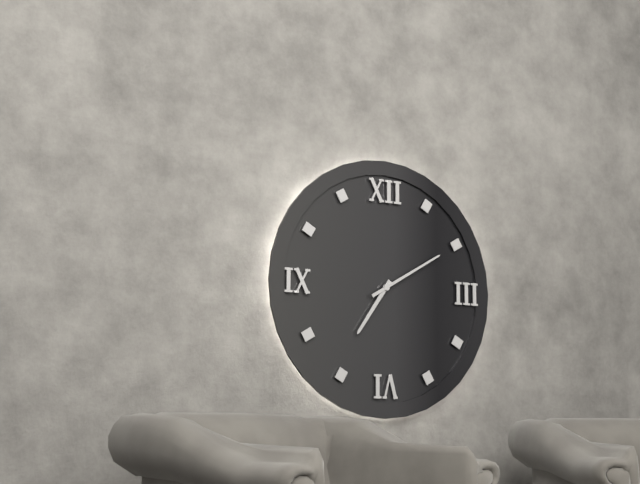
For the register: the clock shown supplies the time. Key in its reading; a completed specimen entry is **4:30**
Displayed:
**7:10**
